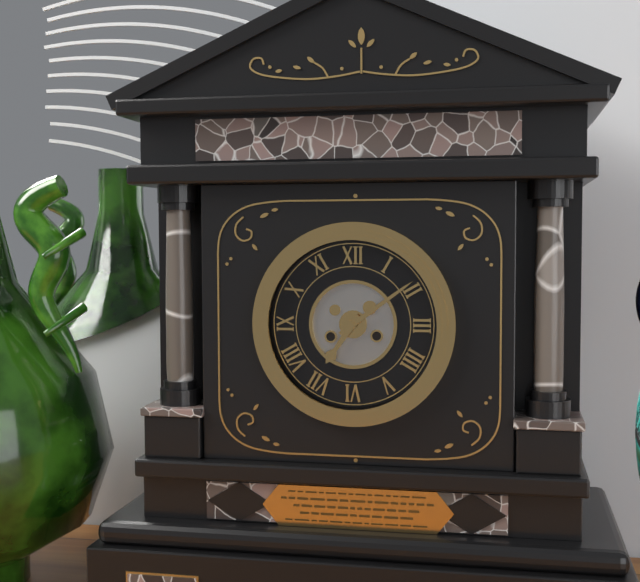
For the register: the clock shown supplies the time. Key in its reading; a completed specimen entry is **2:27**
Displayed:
**7:09**
